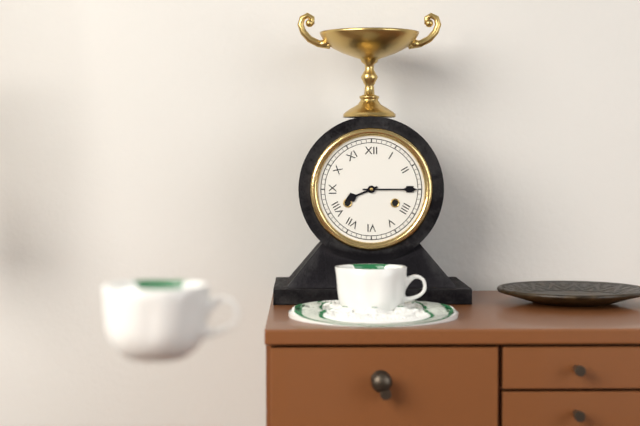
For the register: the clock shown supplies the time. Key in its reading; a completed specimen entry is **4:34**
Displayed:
**8:15**
